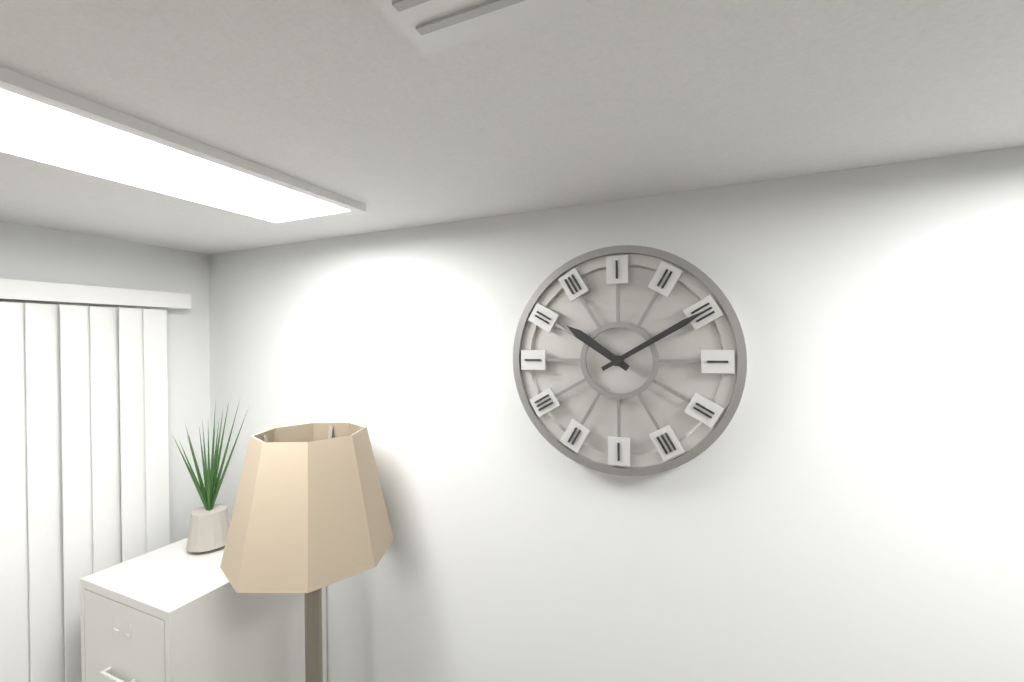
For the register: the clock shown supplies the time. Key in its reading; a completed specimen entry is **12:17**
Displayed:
**10:10**
